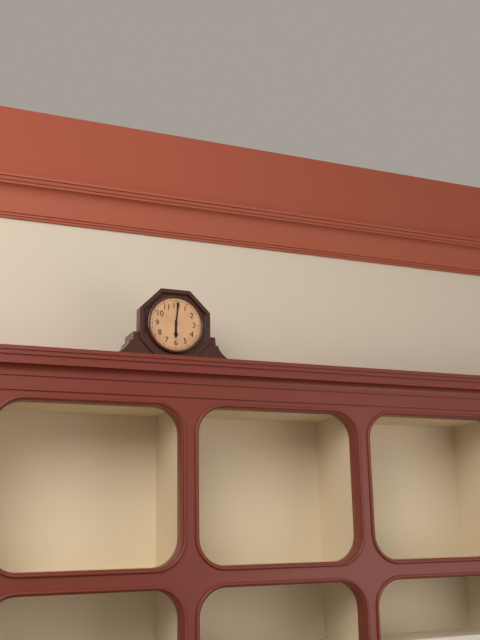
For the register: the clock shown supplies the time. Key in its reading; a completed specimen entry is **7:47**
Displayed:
**6:01**
